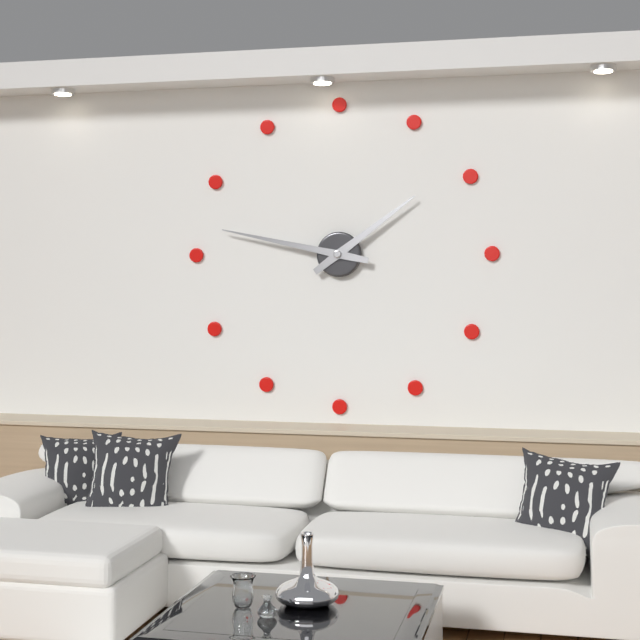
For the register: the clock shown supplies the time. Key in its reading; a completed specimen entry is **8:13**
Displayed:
**1:47**
